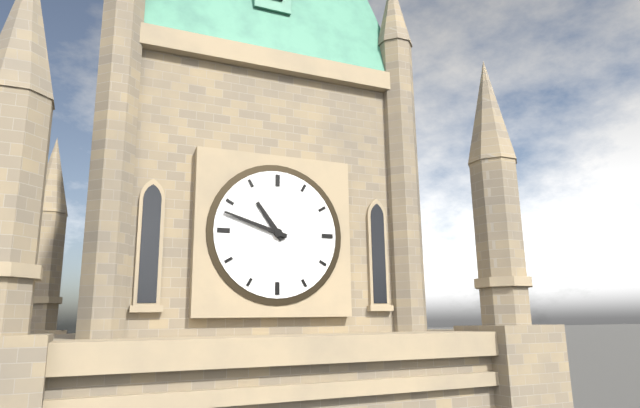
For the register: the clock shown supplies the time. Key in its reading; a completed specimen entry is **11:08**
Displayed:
**10:48**
